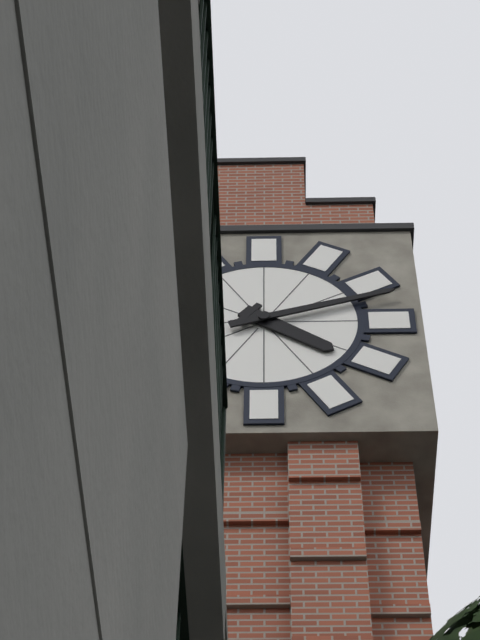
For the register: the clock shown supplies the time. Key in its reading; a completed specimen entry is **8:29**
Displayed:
**4:12**
